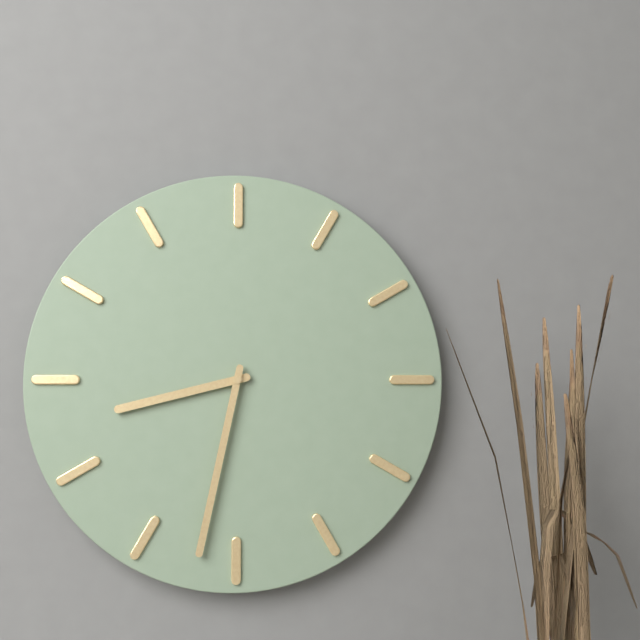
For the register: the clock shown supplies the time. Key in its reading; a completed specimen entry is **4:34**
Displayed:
**8:32**
